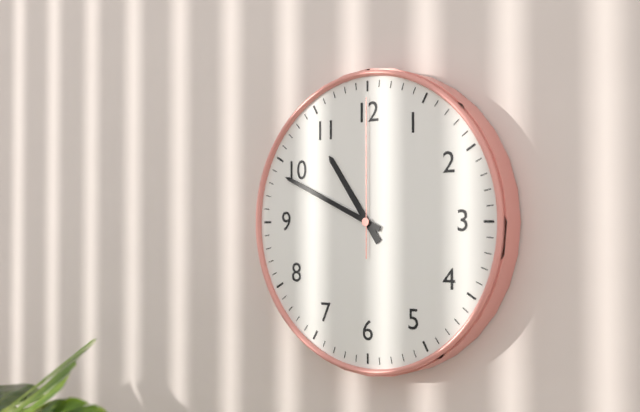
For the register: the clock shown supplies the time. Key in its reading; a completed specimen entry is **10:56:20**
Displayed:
**10:49:00**
